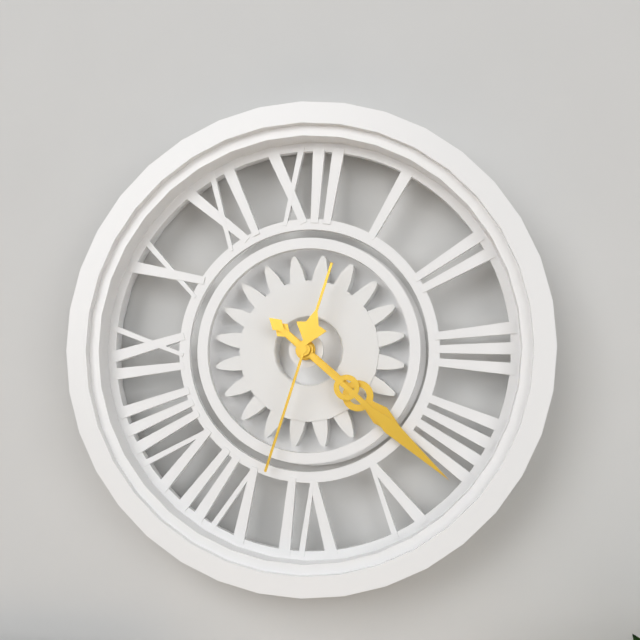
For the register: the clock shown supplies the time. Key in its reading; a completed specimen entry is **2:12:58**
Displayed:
**4:22:33**
